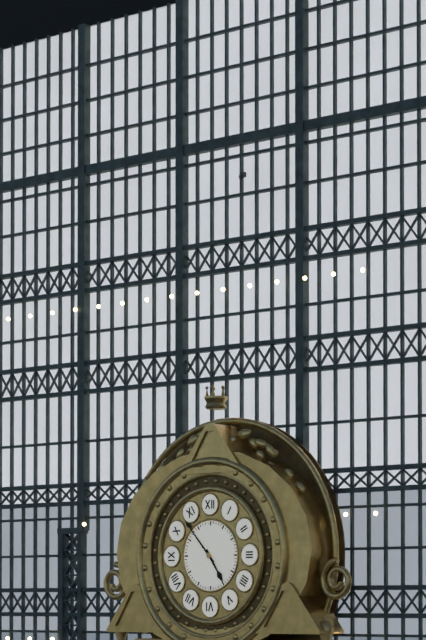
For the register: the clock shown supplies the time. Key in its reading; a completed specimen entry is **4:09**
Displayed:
**4:53**
